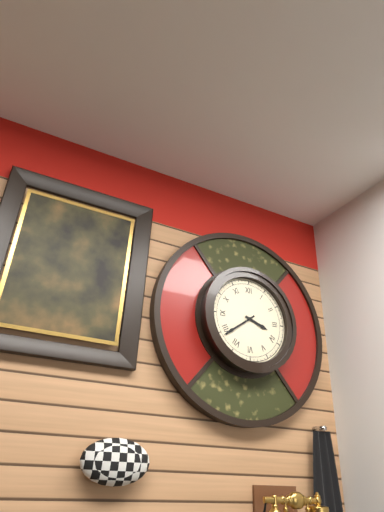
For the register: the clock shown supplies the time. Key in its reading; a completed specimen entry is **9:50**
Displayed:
**3:39**
